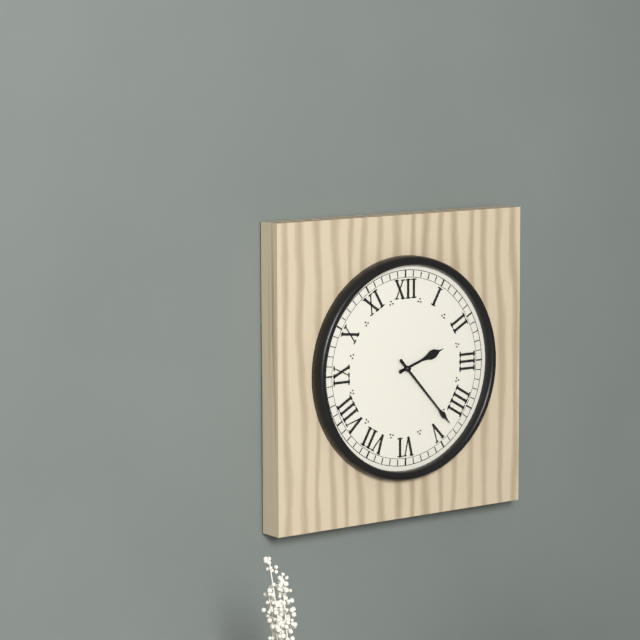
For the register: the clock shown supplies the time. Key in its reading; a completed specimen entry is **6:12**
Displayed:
**2:23**
